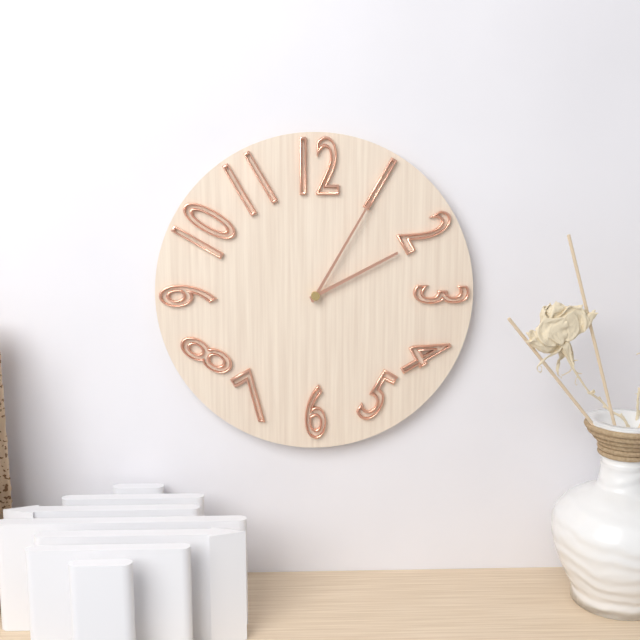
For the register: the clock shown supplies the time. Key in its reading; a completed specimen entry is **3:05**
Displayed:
**2:05**
